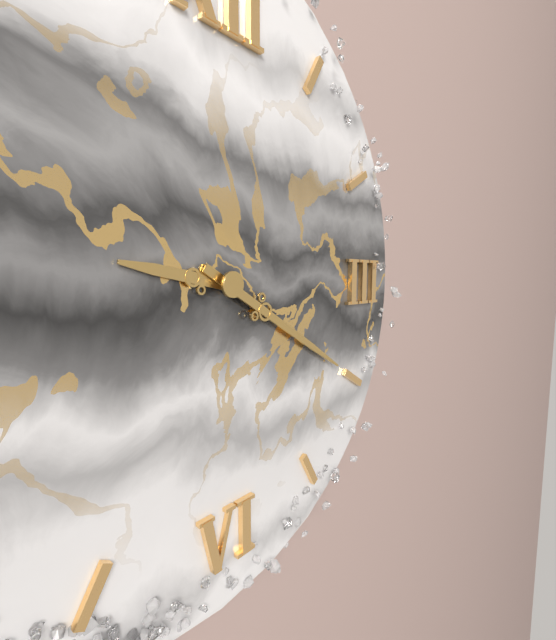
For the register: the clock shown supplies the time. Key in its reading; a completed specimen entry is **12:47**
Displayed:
**9:20**
